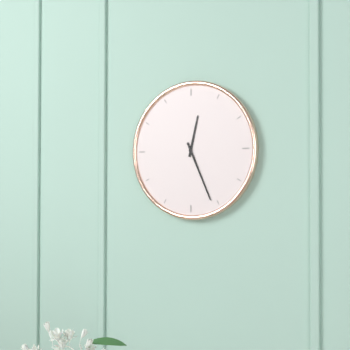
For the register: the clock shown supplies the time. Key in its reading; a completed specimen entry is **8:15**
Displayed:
**12:26**
